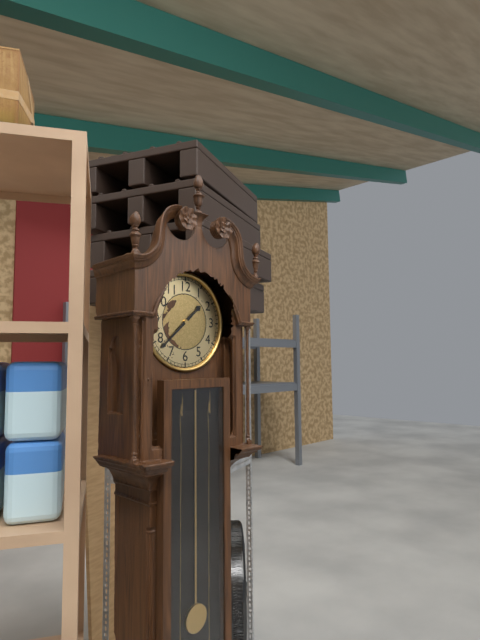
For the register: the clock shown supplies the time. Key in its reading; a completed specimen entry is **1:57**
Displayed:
**1:38**
